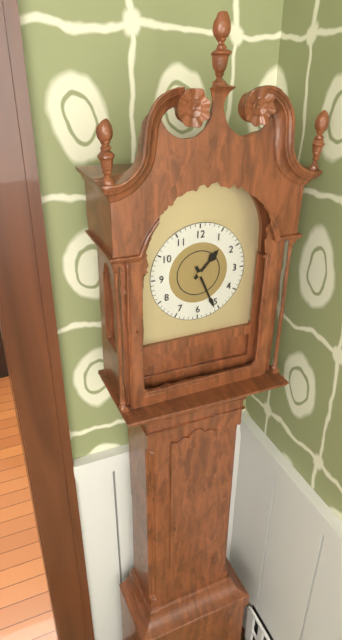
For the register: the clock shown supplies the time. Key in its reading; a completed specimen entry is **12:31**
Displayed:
**1:26**
